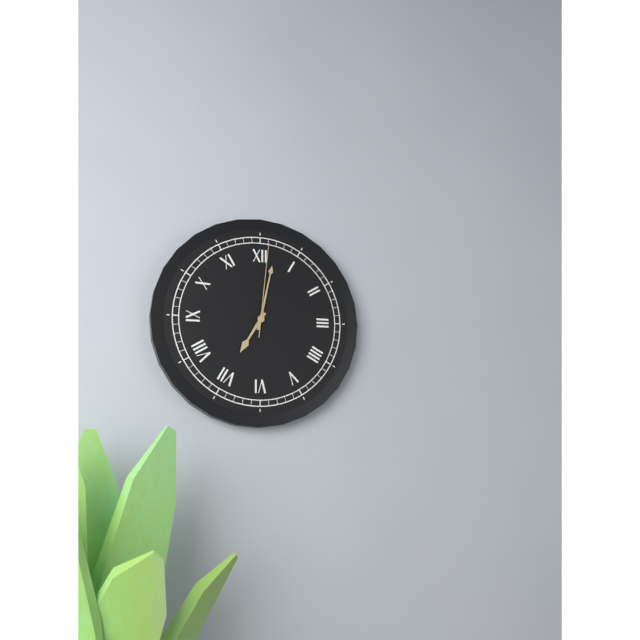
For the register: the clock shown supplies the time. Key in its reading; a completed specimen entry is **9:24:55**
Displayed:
**7:02:01**
